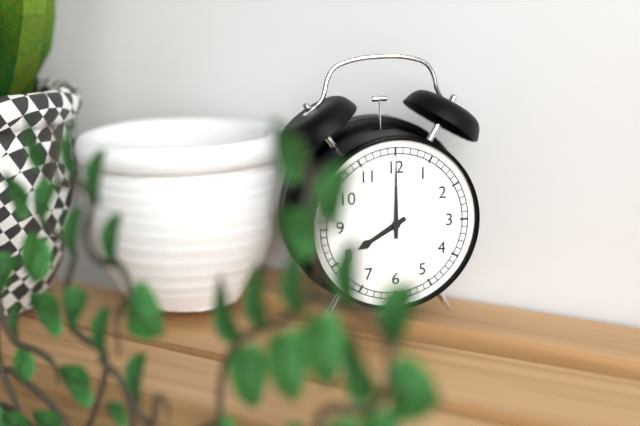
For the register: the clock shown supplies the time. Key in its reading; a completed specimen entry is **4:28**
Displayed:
**8:00**
